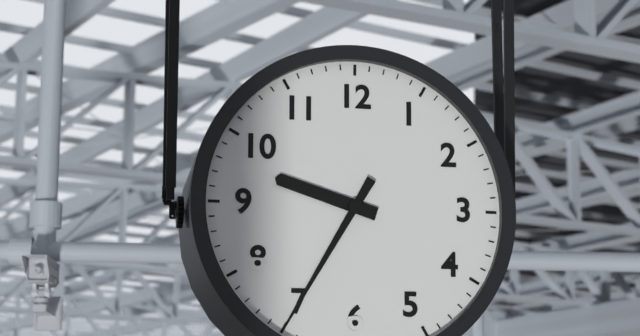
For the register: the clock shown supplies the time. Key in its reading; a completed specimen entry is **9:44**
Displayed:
**9:35**
